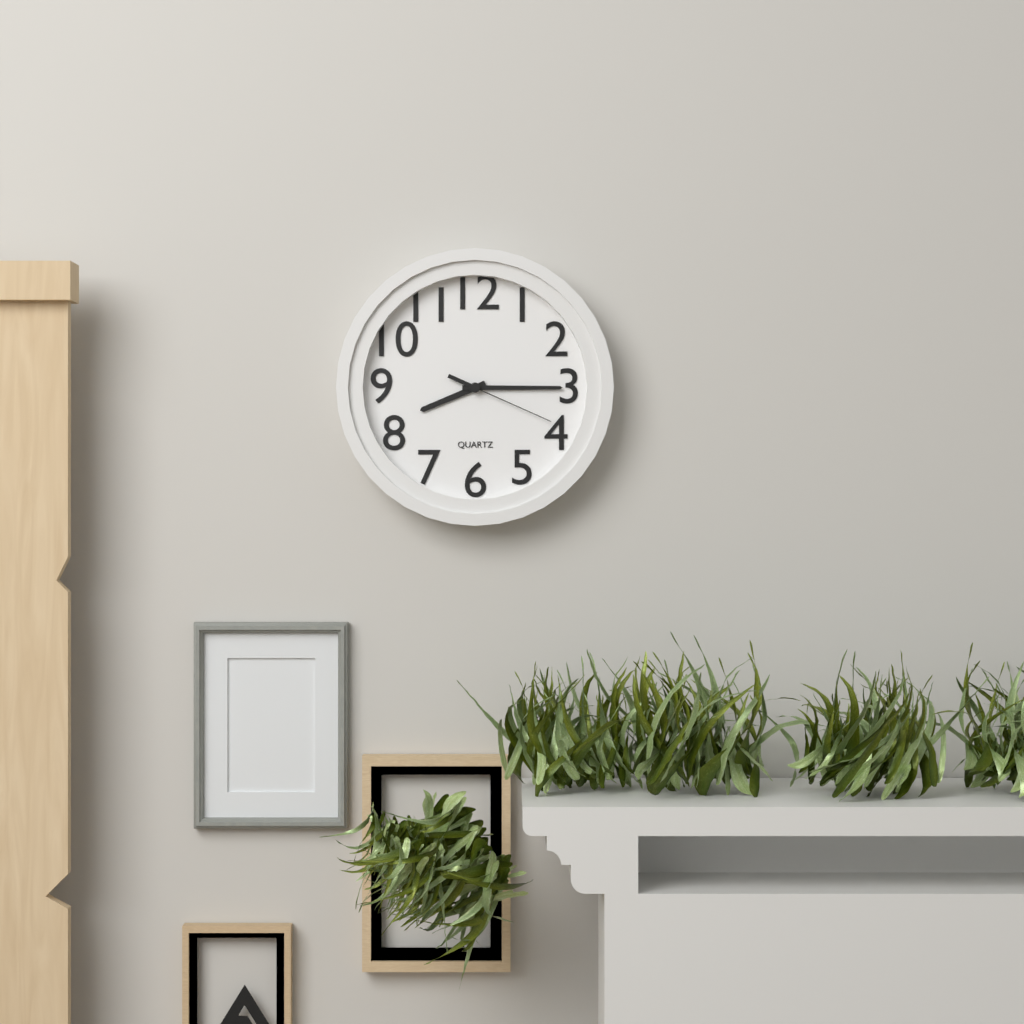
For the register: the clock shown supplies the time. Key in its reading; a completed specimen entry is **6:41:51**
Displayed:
**8:15:19**
